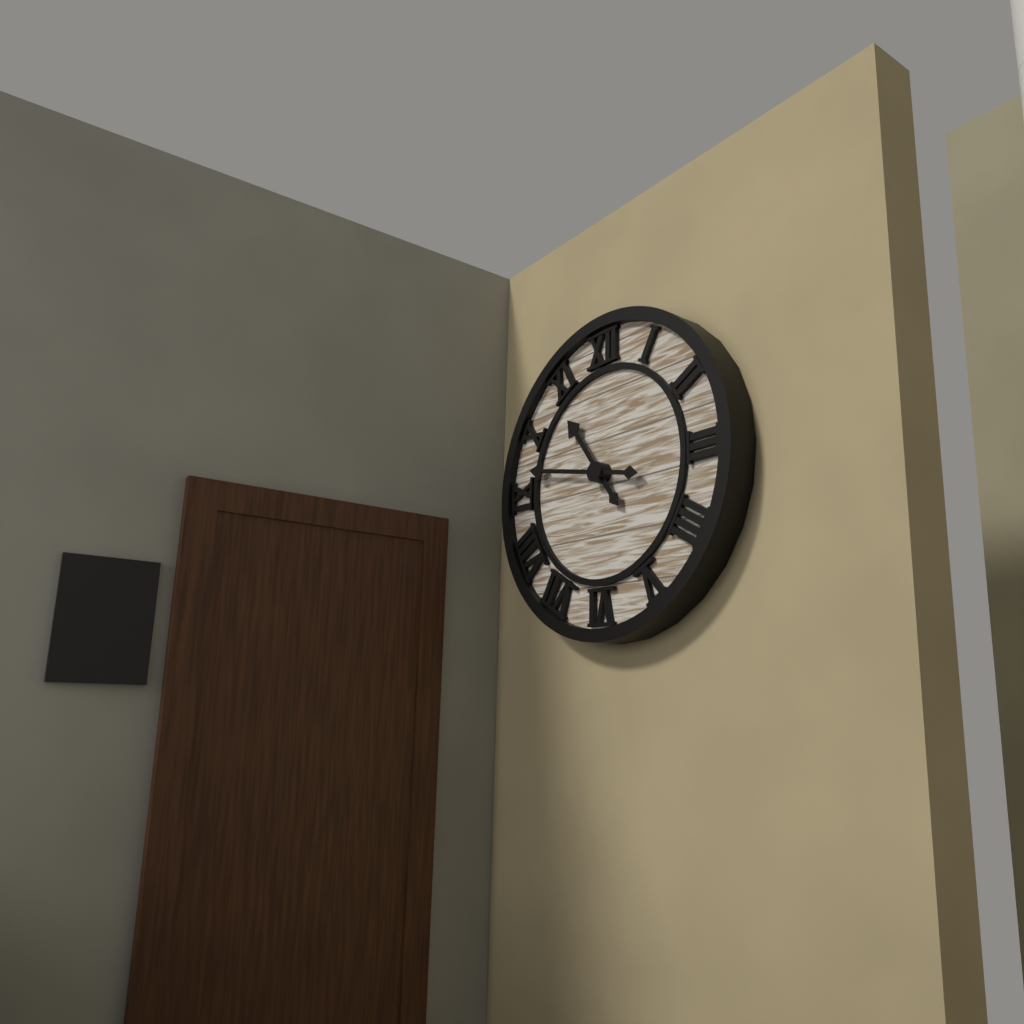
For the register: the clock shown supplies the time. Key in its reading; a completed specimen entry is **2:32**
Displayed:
**10:47**
